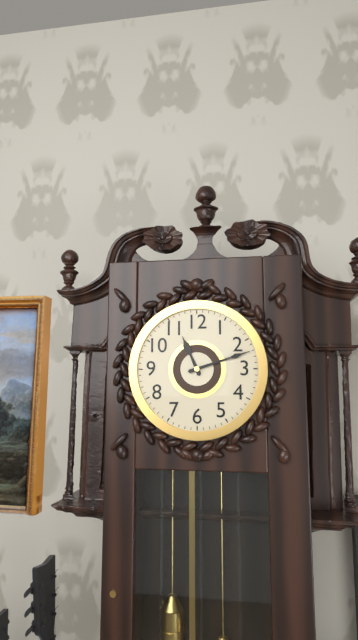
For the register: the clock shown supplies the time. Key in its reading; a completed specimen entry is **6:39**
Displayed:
**11:12**
